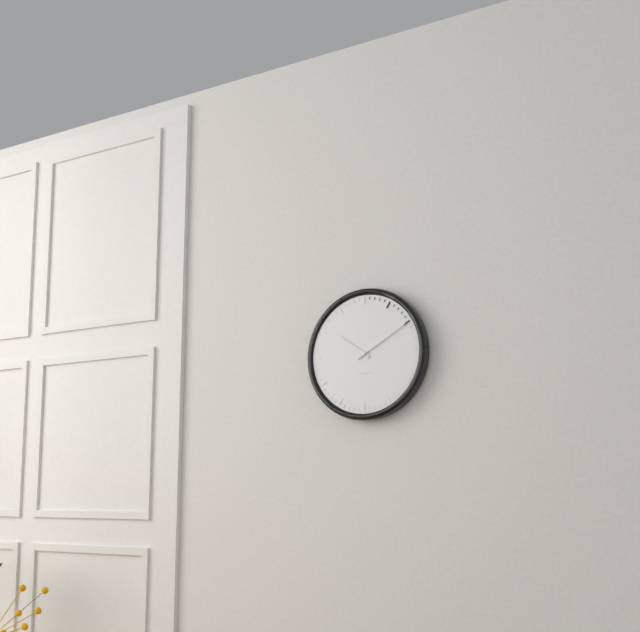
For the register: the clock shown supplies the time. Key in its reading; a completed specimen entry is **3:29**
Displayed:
**10:10**
